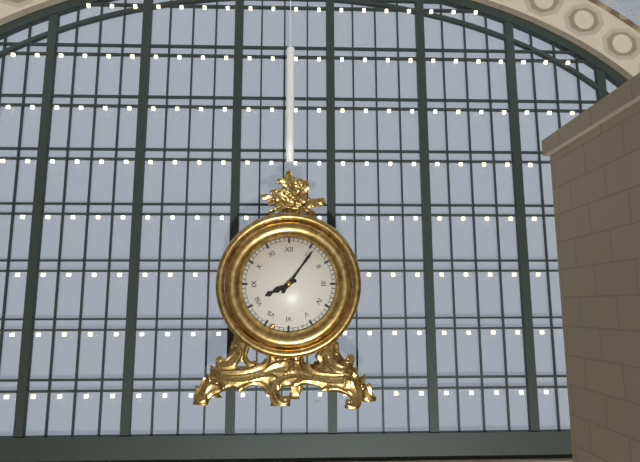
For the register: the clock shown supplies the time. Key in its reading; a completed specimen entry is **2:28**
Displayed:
**8:06**
